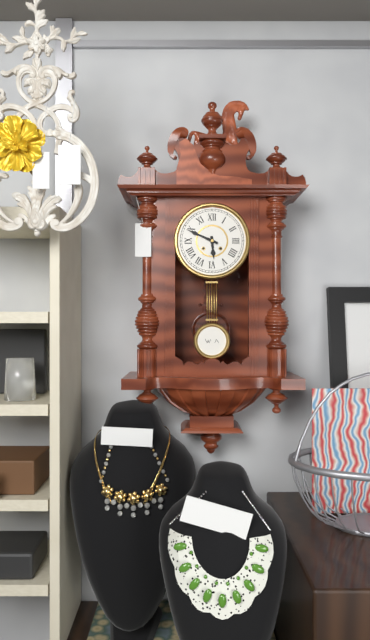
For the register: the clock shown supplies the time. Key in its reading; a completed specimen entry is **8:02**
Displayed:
**5:49**
